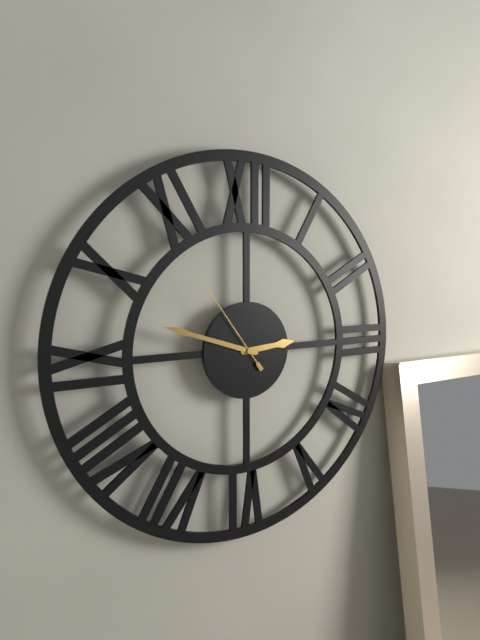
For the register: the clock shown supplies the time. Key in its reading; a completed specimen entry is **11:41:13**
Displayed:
**2:48:54**
